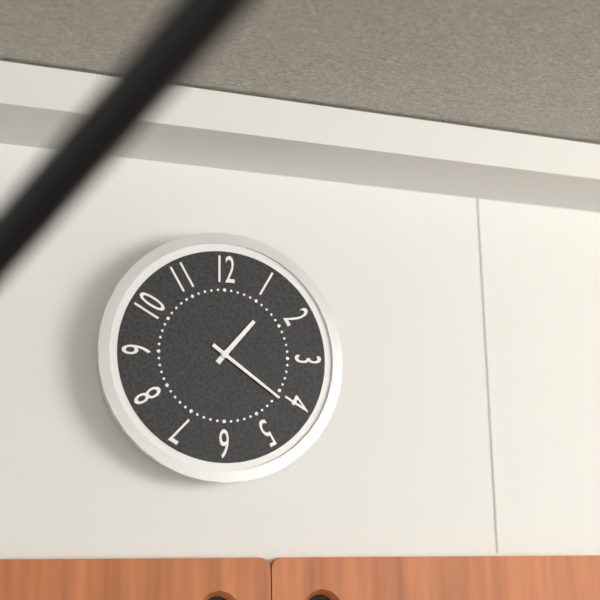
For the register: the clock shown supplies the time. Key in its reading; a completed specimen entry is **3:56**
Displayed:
**1:21**
